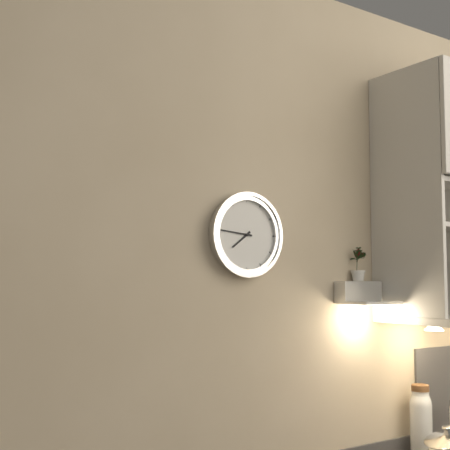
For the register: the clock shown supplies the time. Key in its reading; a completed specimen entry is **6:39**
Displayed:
**7:46**
